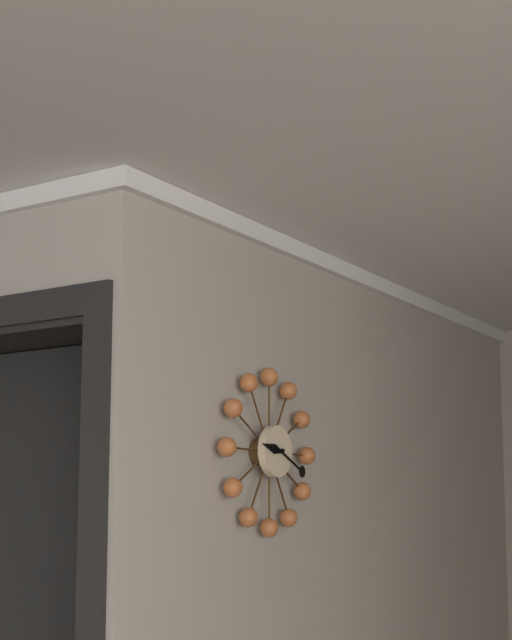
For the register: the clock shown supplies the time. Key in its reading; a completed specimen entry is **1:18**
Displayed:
**9:19**
